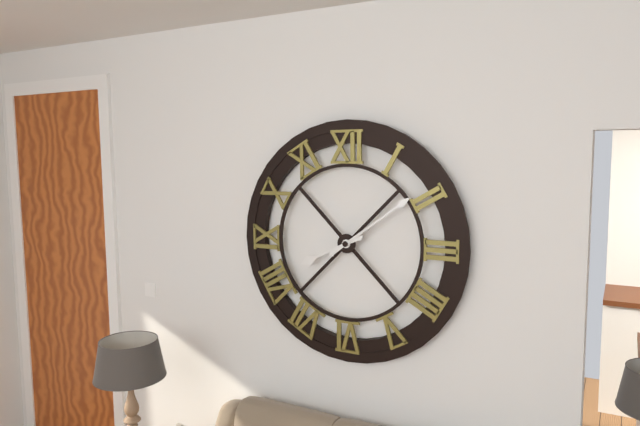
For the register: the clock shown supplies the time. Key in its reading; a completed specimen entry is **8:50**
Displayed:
**8:09**
